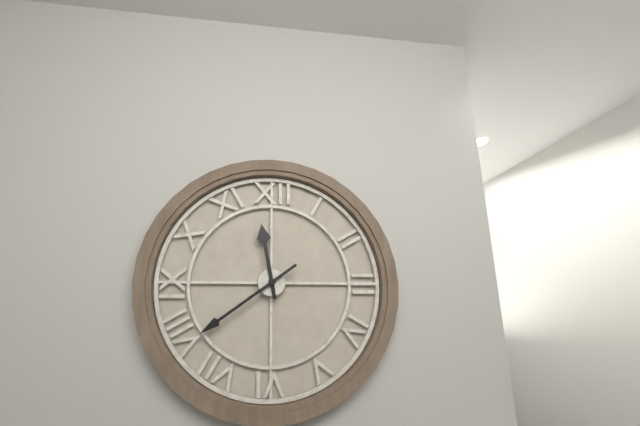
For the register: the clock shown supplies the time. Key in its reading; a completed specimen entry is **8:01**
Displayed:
**11:39**
